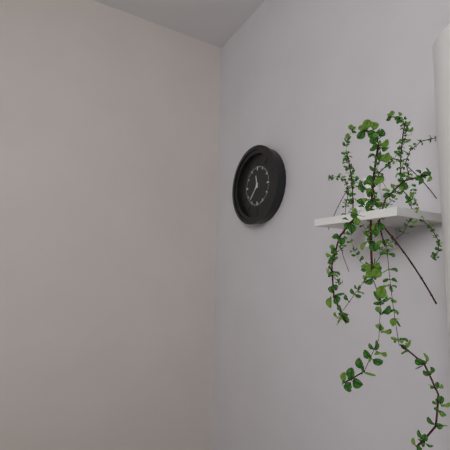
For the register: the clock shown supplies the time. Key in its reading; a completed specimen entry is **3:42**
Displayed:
**11:37**
